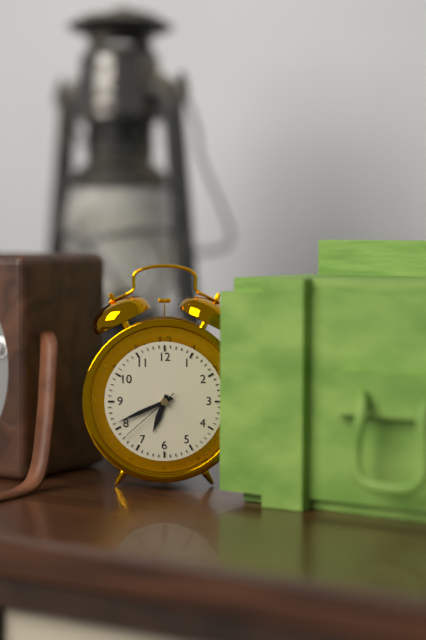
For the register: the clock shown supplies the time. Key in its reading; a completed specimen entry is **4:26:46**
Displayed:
**6:41:38**
